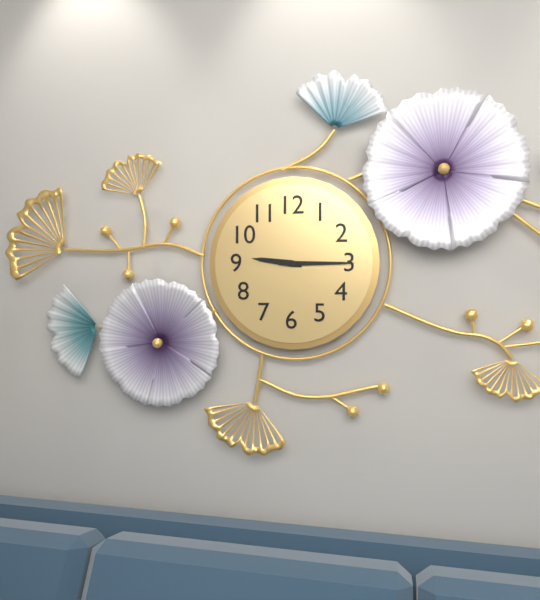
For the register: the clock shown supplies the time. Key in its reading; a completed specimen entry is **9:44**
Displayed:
**9:15**
